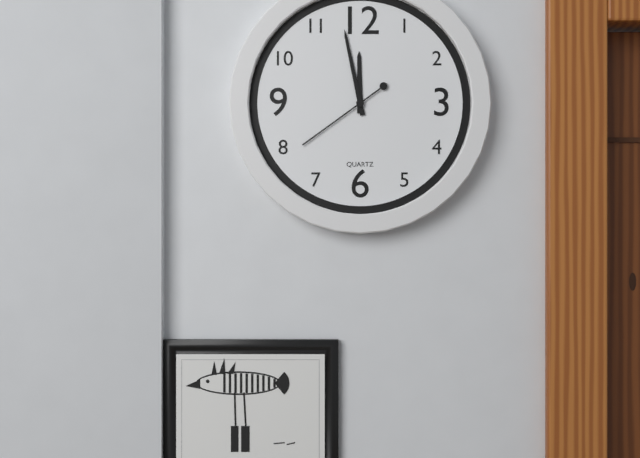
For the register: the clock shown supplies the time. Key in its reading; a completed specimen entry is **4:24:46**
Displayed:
**11:58:39**
